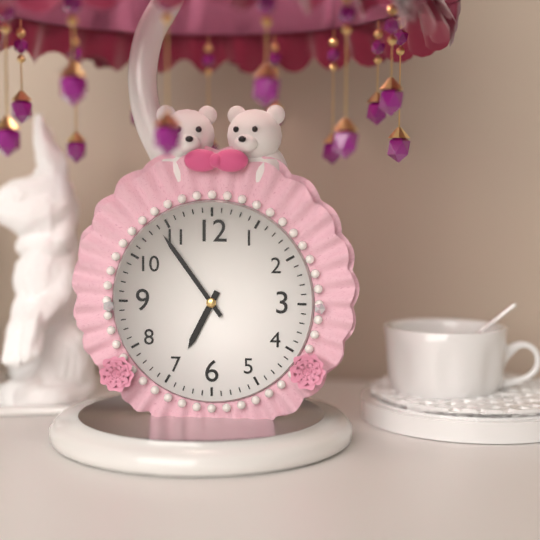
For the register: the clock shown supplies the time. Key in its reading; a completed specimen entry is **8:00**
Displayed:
**6:54**
